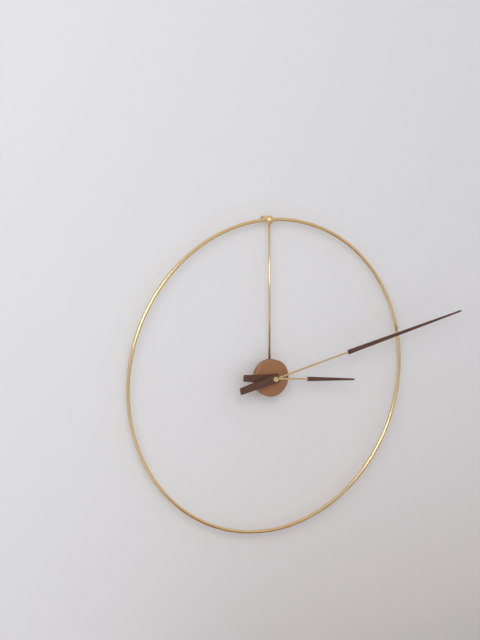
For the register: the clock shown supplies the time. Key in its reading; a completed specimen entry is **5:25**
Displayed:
**3:13**
